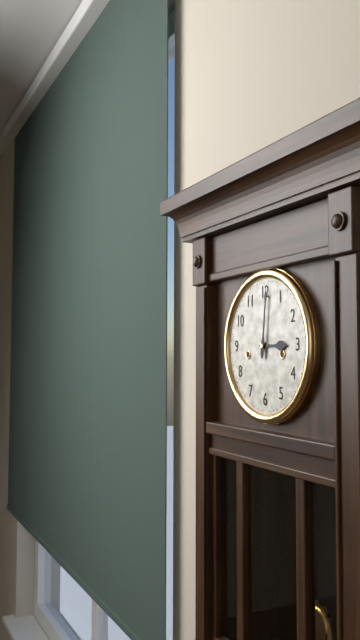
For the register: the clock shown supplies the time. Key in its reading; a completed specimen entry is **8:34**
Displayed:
**3:01**
